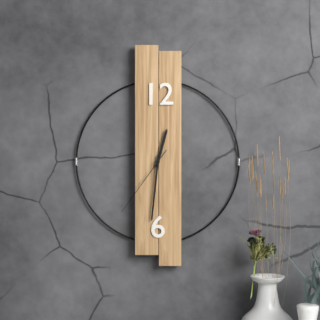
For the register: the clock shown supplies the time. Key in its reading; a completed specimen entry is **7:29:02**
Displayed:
**12:31:36**
